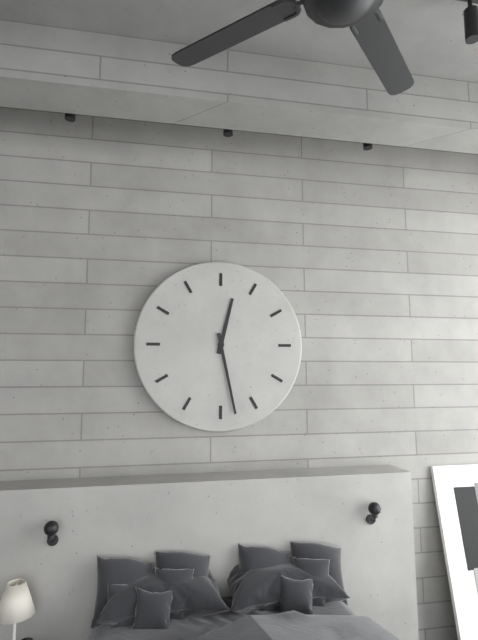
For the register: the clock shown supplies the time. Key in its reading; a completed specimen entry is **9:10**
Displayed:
**12:28**
